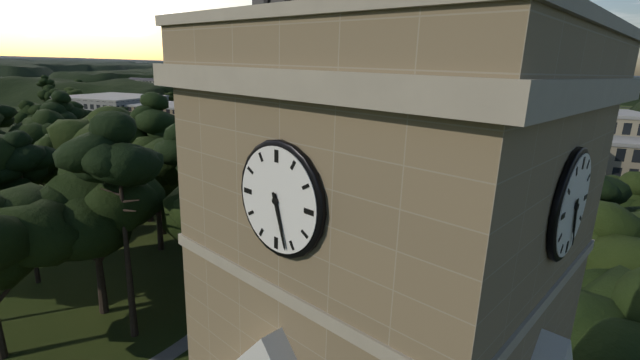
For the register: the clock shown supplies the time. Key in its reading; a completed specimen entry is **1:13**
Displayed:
**5:27**
